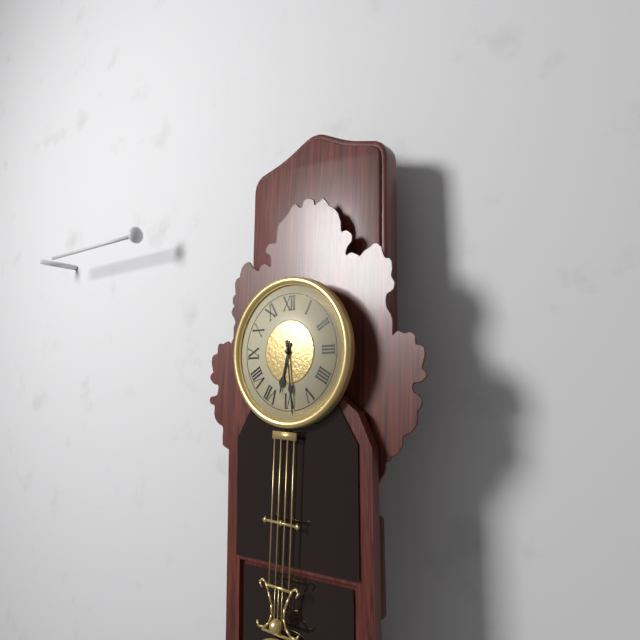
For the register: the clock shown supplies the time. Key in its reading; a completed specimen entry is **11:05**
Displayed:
**6:29**
